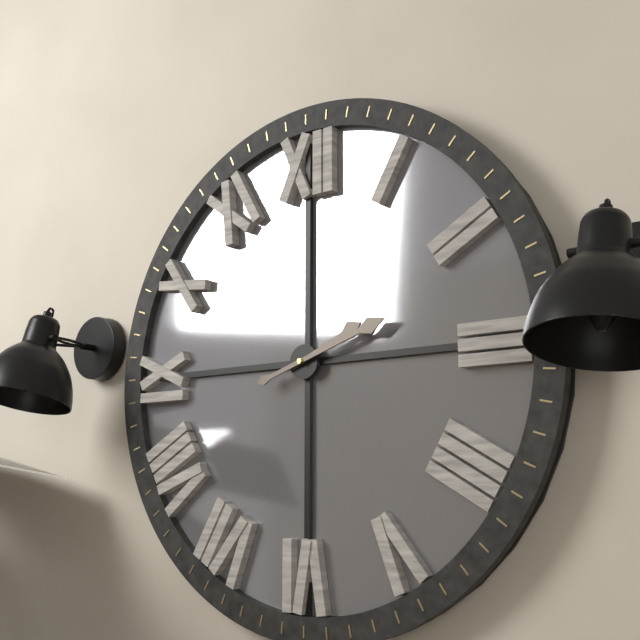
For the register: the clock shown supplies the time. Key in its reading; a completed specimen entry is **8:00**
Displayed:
**2:12**
